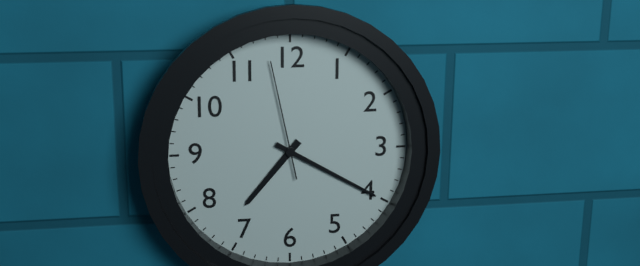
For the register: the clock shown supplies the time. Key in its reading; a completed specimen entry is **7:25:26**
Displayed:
**7:20:58**
